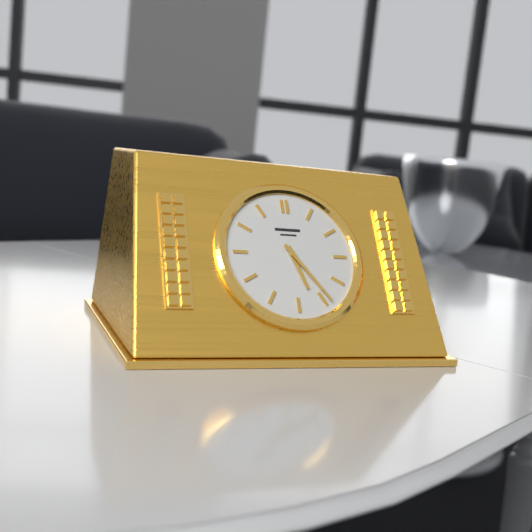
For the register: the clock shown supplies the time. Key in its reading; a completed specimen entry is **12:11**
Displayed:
**5:24**
